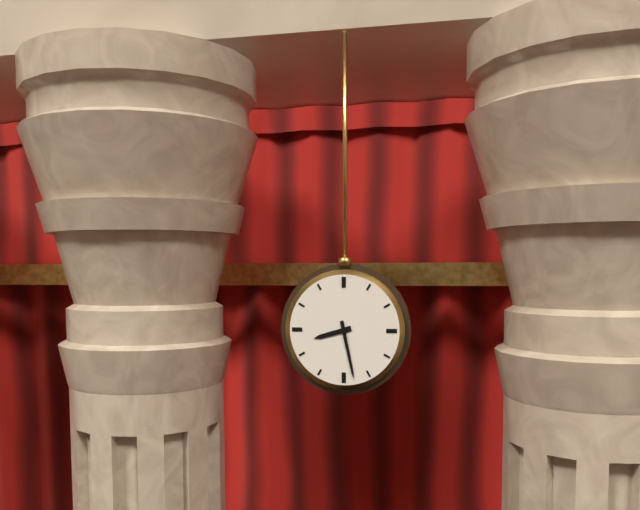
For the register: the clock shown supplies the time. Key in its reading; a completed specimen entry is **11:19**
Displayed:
**8:28**
